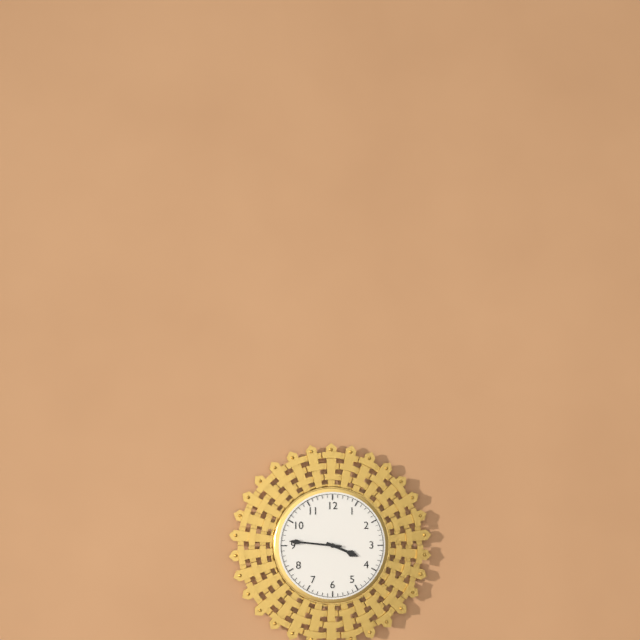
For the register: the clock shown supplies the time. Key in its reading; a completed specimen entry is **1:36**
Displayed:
**3:46**
